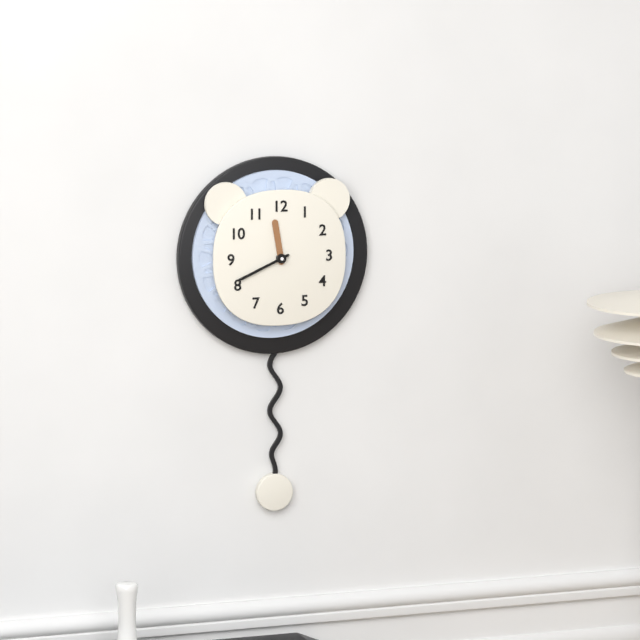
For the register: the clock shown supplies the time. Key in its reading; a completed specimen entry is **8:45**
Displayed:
**11:41**
